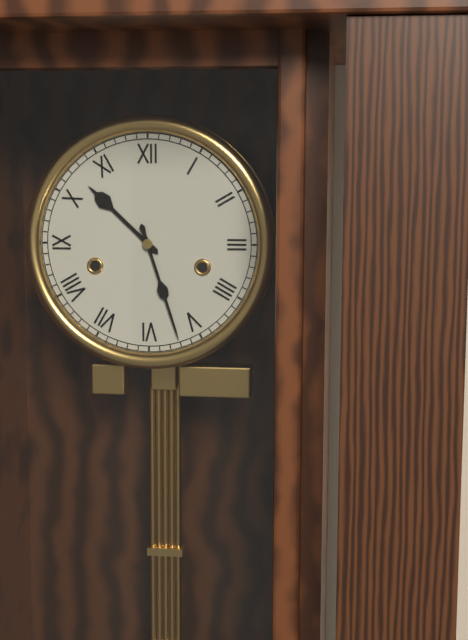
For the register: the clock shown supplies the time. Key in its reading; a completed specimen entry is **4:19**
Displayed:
**10:27**
